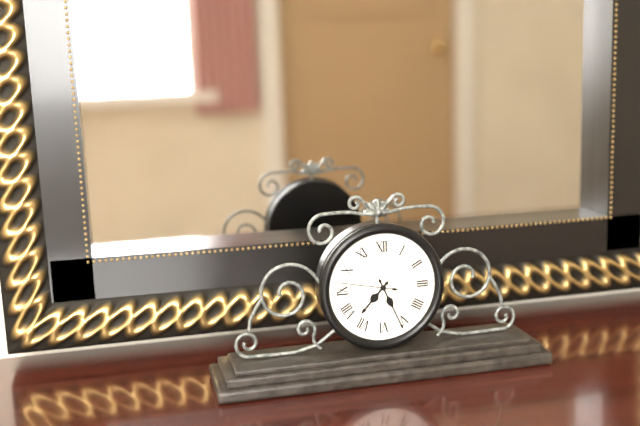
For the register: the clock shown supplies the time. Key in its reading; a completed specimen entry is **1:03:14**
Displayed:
**7:26:47**
